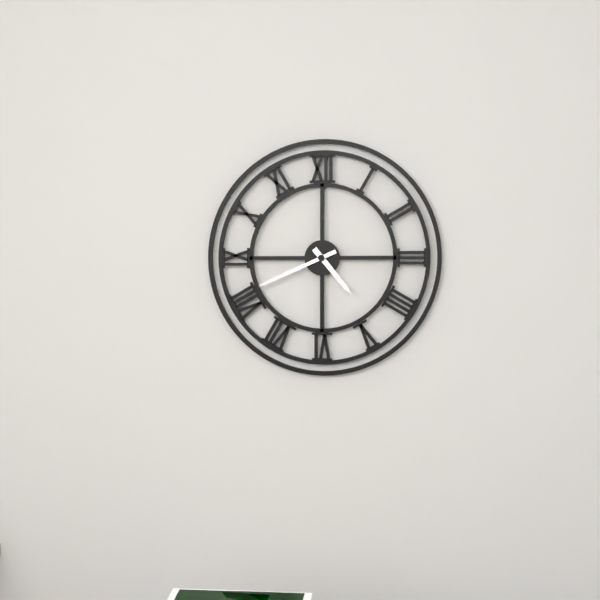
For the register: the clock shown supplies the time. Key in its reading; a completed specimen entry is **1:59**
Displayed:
**4:41**
